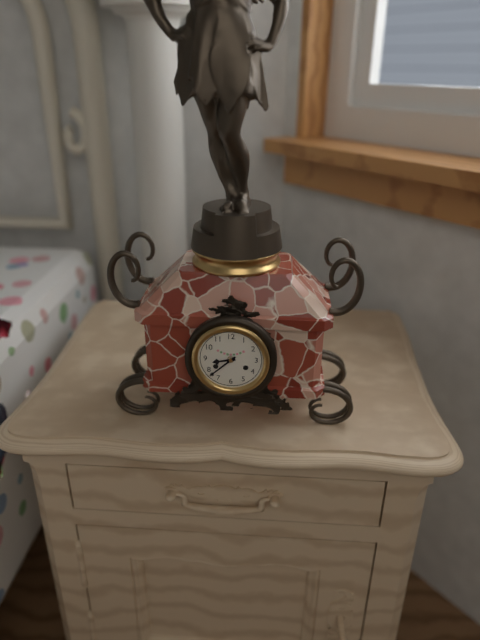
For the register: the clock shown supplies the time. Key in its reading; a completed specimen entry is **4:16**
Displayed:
**8:38**
